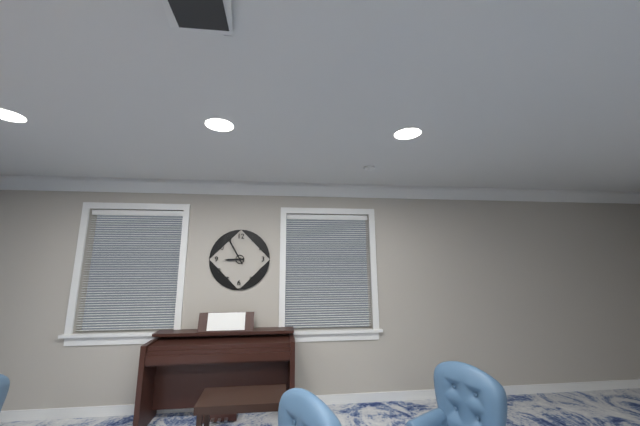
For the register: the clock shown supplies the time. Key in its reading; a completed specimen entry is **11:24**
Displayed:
**8:55**
